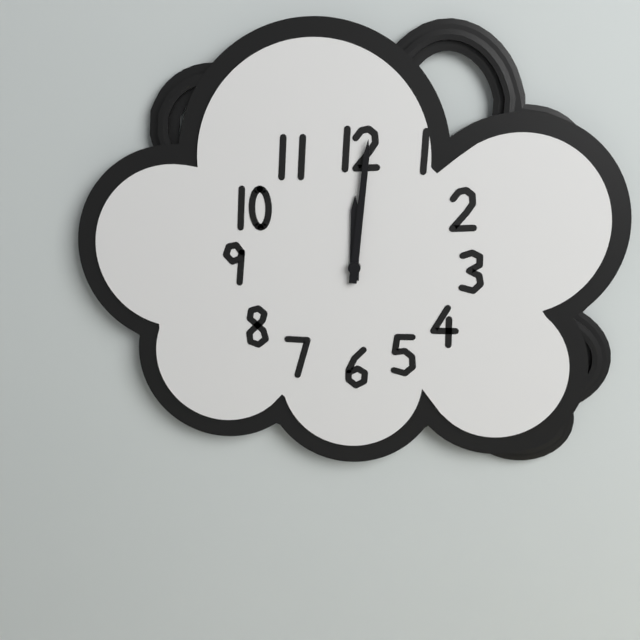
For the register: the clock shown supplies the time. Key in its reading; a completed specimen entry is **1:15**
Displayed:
**12:01**
